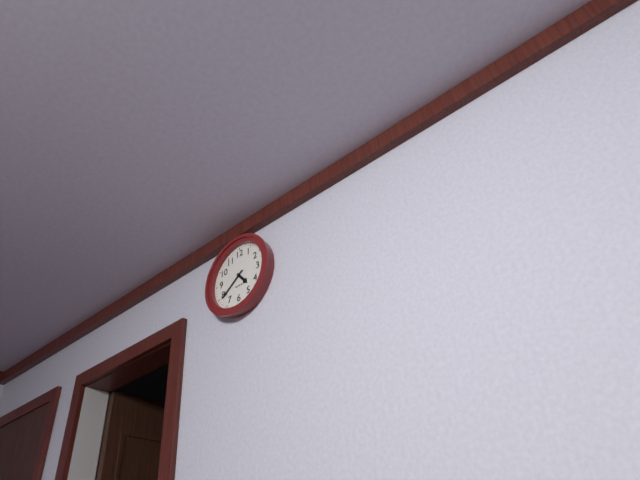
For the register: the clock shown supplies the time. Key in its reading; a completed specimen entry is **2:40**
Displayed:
**4:39**
